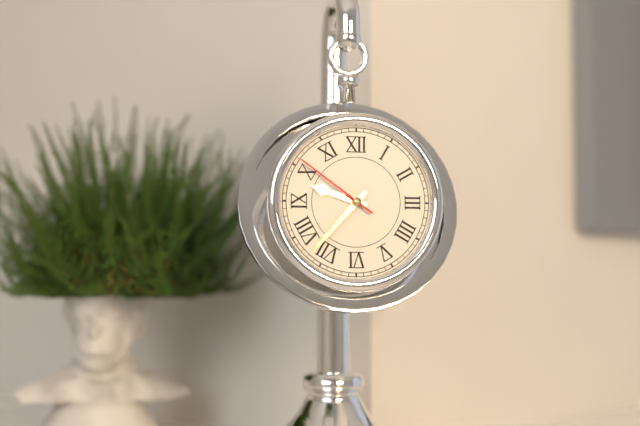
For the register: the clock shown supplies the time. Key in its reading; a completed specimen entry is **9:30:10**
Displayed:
**9:37:51**
